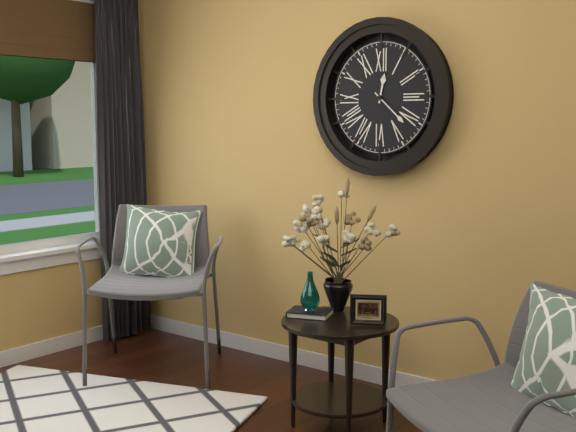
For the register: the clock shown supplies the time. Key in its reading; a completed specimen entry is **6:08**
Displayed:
**12:22**
